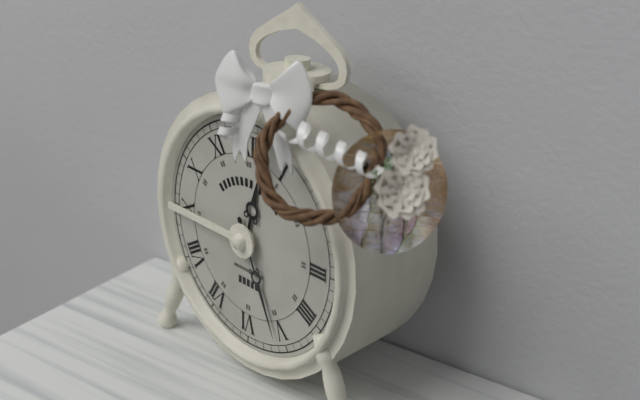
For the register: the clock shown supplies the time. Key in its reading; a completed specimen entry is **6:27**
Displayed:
**12:26**
